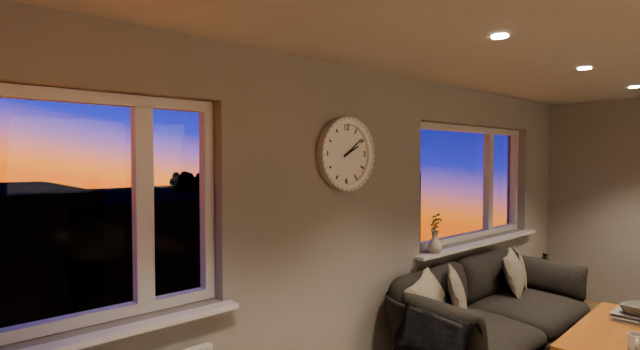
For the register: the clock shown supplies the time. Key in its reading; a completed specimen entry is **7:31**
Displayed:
**2:09**
